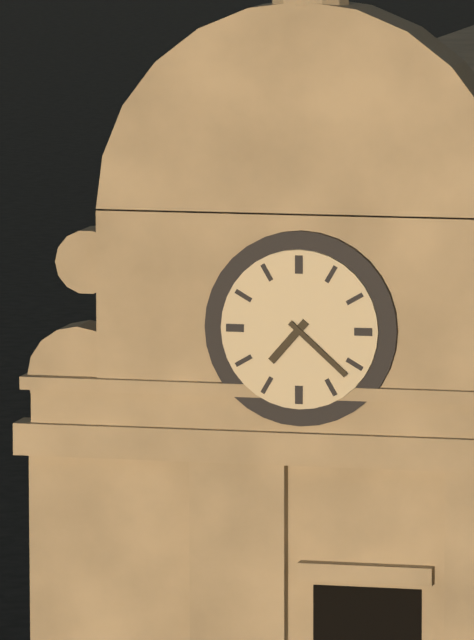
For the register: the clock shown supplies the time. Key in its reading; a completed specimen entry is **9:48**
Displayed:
**7:22**
